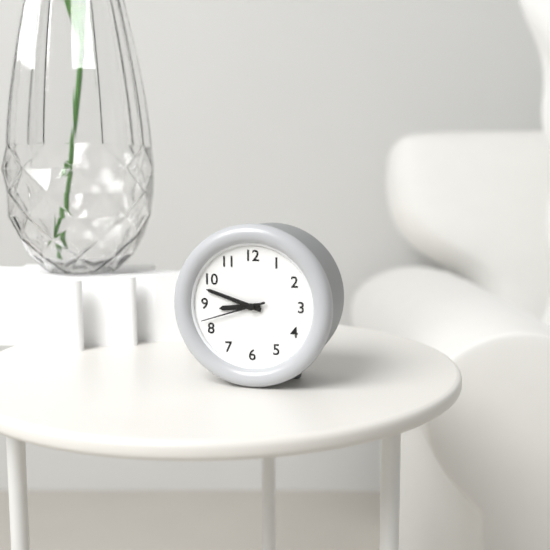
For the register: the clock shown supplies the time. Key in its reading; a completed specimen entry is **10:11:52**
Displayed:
**8:48:42**
